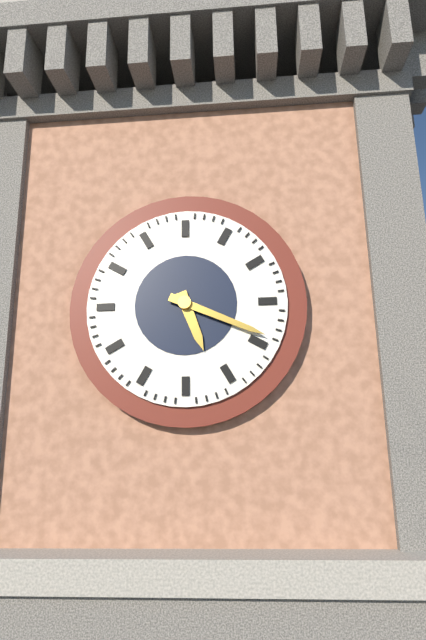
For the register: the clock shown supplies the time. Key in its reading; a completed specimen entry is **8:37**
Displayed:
**5:19**
